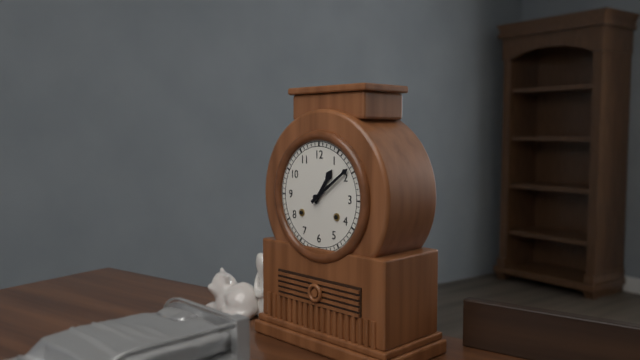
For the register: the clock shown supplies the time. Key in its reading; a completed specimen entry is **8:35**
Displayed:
**1:09**
